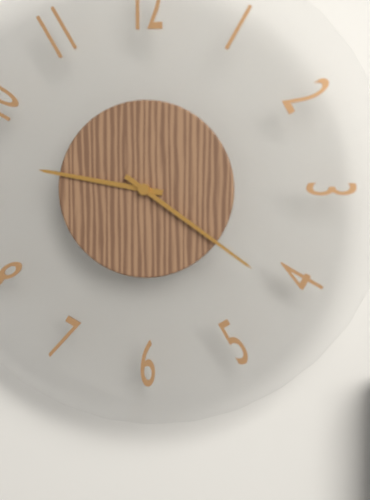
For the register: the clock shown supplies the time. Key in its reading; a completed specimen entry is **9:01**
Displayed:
**9:21**
